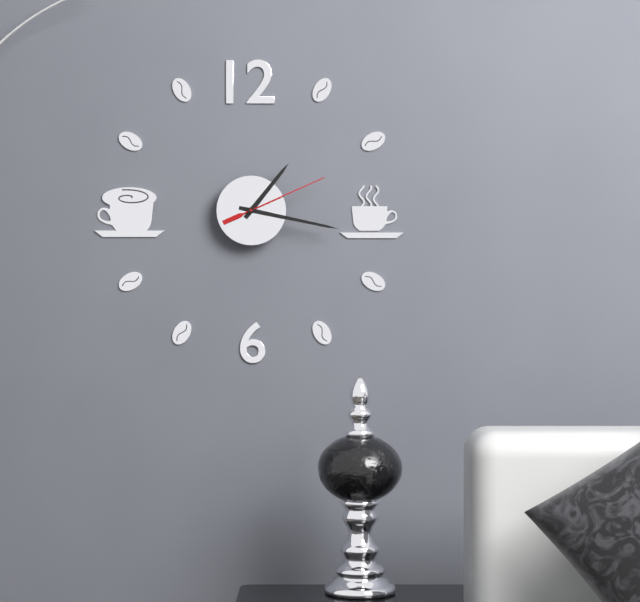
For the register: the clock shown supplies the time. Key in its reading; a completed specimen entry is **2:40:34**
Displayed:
**1:17:11**
